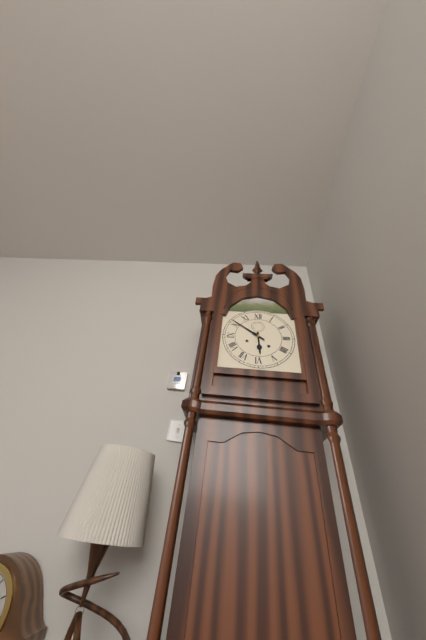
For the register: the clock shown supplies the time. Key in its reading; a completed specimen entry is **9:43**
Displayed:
**5:51**
